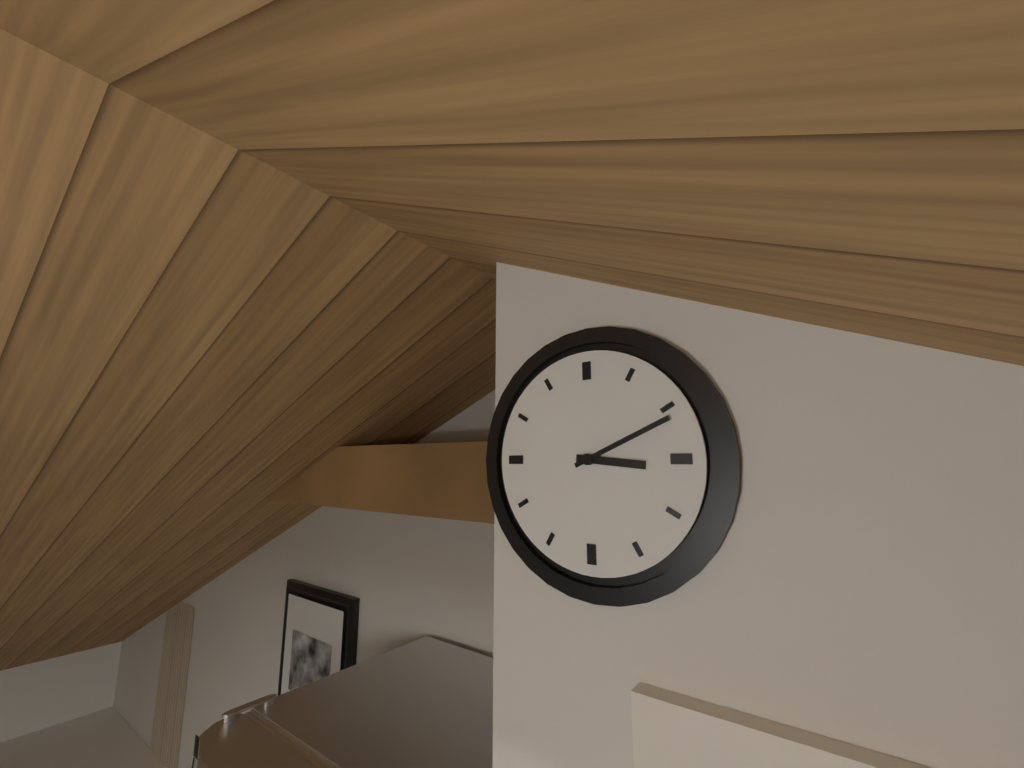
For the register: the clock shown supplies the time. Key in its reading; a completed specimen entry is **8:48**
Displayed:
**3:11**
